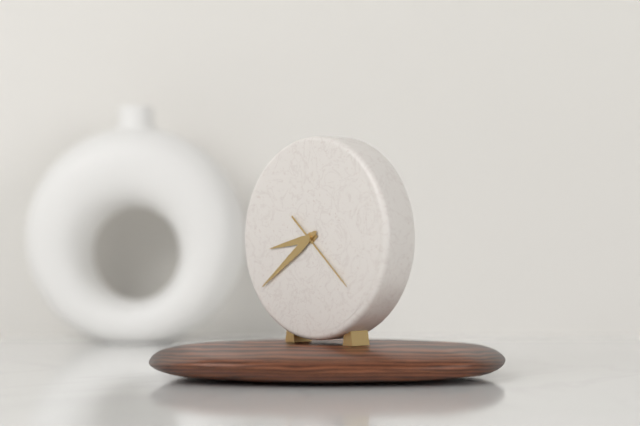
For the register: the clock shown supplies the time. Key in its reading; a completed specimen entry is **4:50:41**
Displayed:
**8:39:22**
